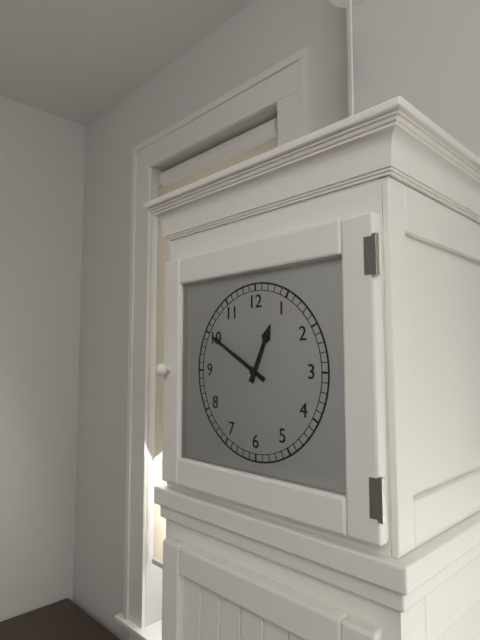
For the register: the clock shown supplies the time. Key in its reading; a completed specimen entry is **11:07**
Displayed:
**12:50**
